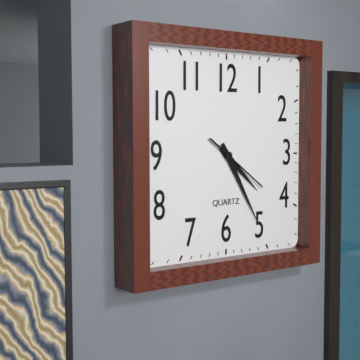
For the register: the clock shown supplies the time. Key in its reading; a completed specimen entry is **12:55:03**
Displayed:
**4:25:21**
